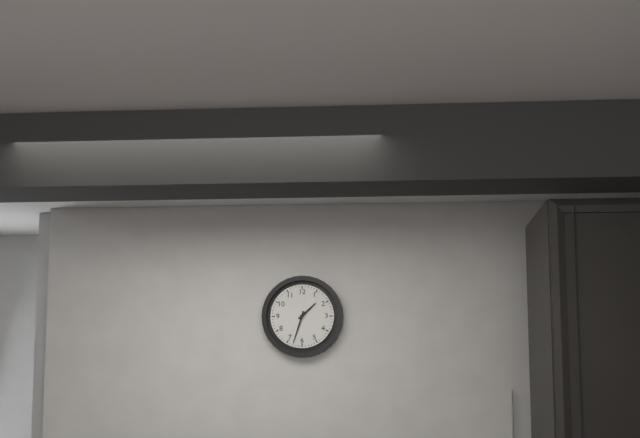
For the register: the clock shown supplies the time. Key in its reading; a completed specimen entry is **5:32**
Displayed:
**1:33**
